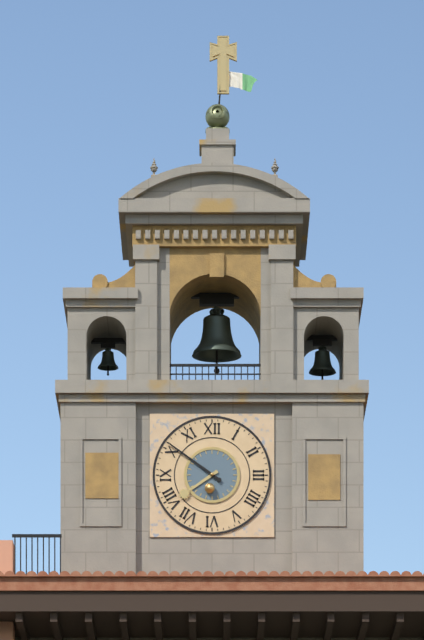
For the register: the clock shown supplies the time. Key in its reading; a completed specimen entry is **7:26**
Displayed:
**7:51**
